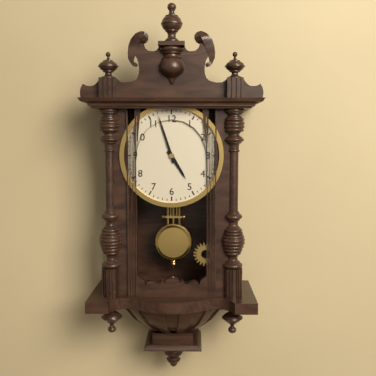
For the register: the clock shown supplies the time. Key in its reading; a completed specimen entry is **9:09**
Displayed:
**4:57**
